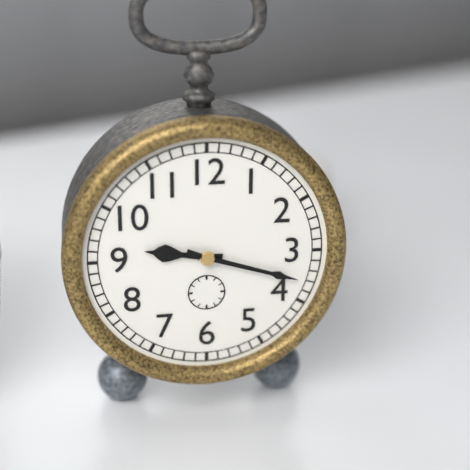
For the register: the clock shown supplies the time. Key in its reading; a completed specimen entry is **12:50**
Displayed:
**9:18**
